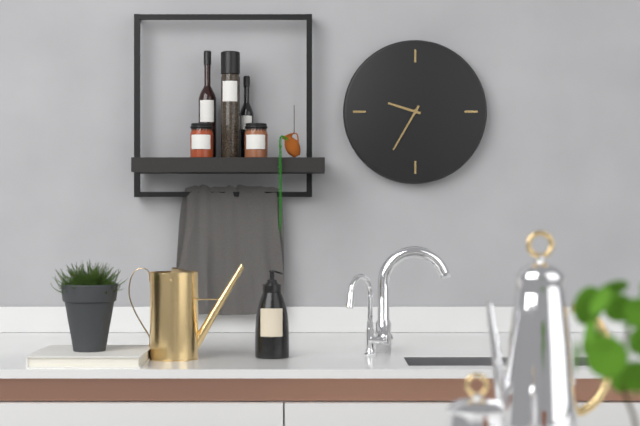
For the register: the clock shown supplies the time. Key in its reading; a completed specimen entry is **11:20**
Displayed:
**9:35**
